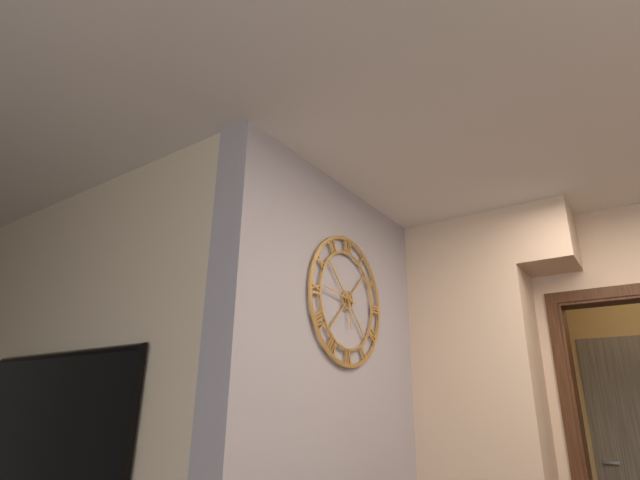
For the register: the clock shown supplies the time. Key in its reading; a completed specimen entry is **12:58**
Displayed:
**5:46**
